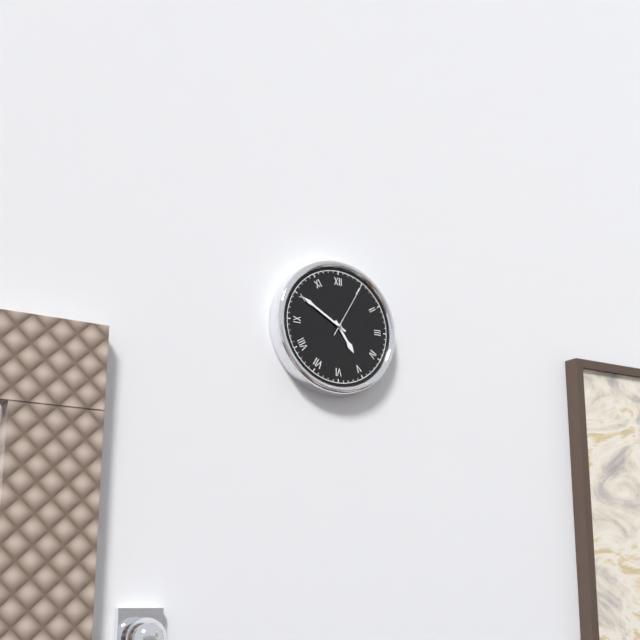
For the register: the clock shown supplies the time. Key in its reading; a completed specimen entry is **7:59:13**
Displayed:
**4:50:05**
